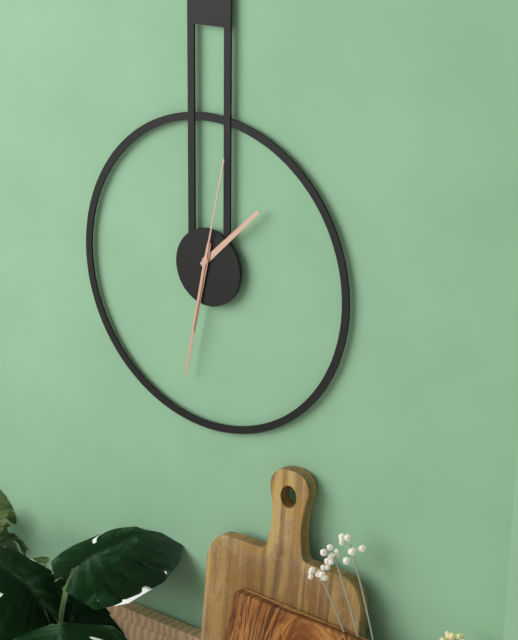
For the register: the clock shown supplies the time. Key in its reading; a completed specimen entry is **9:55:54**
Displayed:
**1:32:02**
